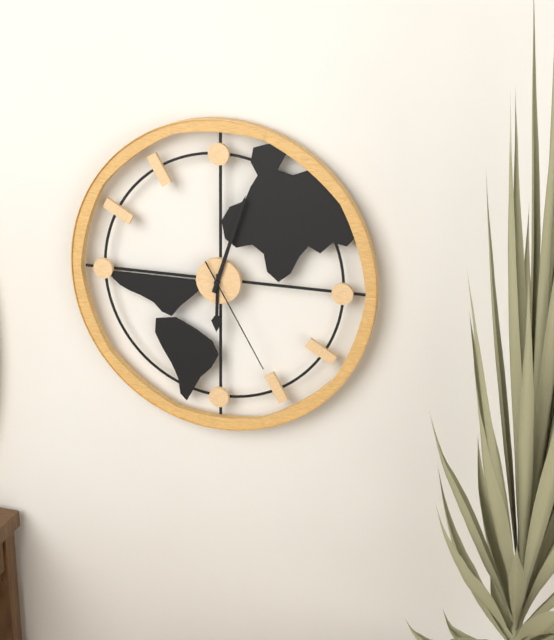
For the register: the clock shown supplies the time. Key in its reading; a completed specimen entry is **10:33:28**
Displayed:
**6:03:25**
